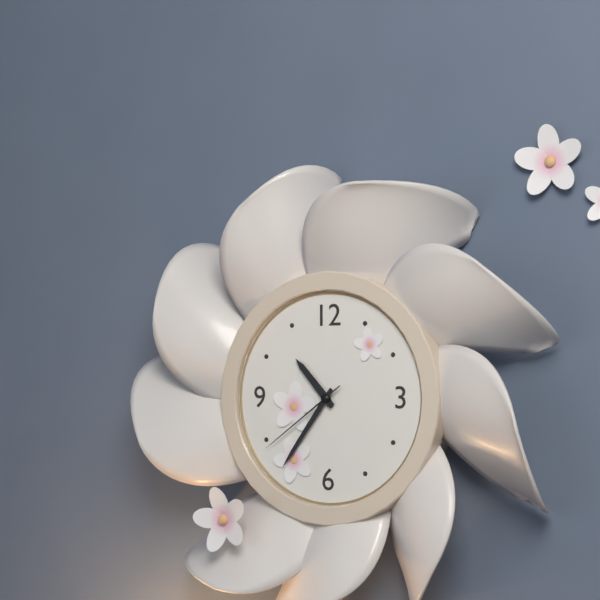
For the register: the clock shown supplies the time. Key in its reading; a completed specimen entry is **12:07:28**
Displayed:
**10:36:39**
